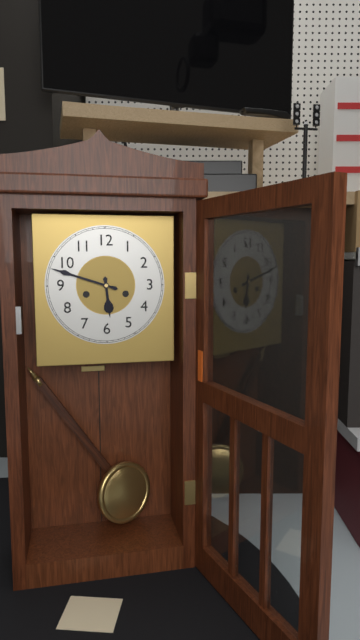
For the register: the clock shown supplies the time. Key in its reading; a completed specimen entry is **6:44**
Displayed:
**5:48**
